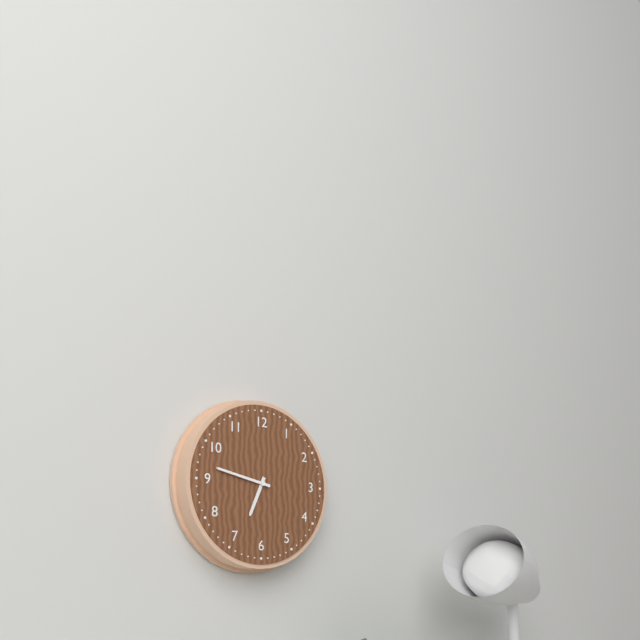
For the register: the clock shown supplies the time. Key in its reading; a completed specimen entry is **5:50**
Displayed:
**6:47**
